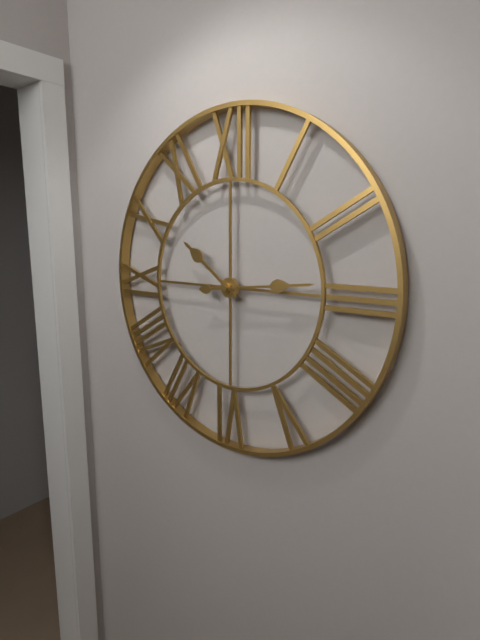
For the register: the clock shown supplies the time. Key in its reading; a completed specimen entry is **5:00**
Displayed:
**10:14**
